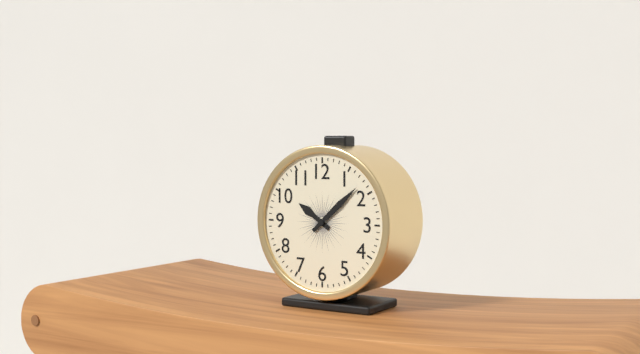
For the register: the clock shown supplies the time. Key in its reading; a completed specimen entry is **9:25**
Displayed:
**10:08**
